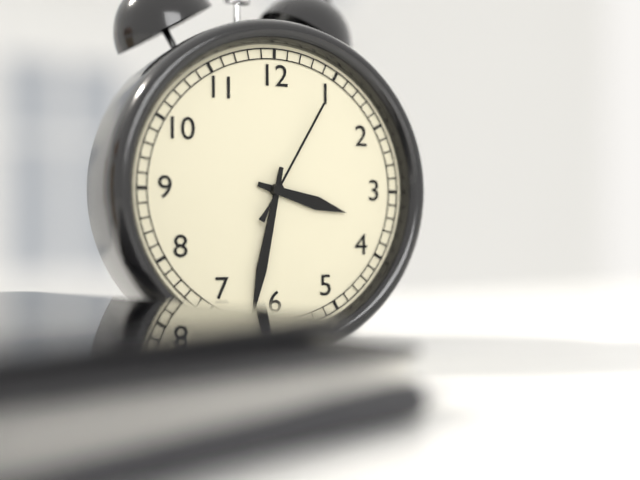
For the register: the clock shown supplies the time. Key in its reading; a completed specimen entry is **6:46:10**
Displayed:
**3:32:05**
